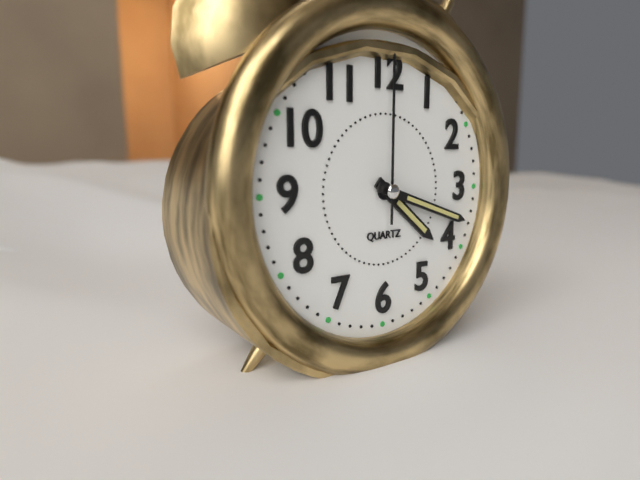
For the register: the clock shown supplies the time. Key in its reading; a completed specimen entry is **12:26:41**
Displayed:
**4:18:00**
